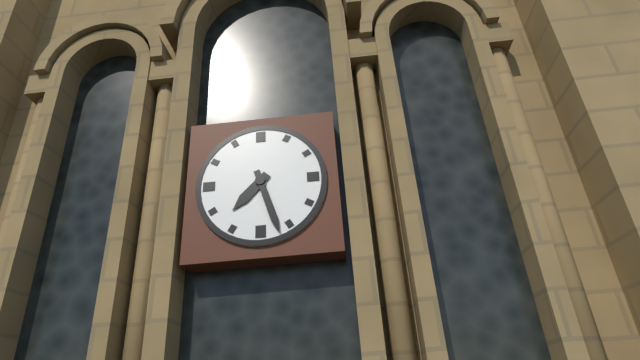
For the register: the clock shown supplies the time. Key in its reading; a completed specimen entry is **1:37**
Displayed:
**7:27**
